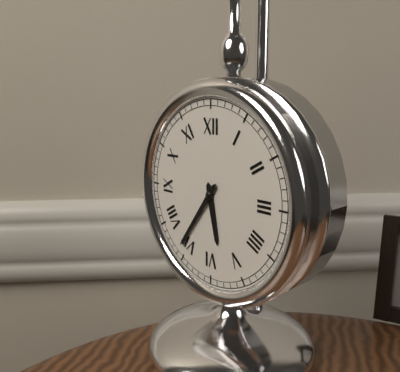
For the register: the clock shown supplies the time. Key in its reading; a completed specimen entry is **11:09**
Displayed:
**5:36**
